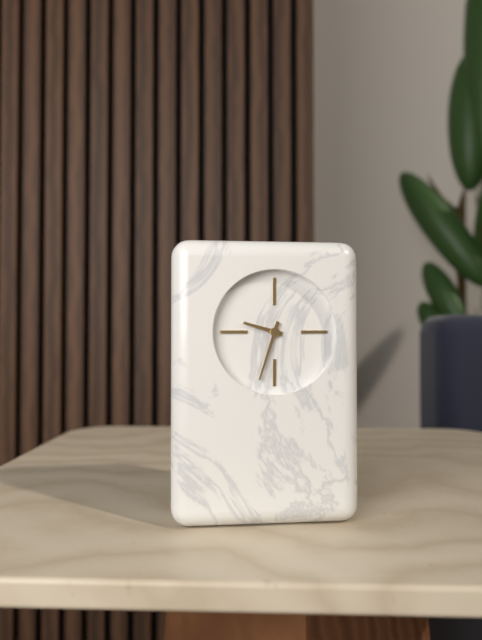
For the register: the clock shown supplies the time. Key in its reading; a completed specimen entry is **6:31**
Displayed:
**9:33**
